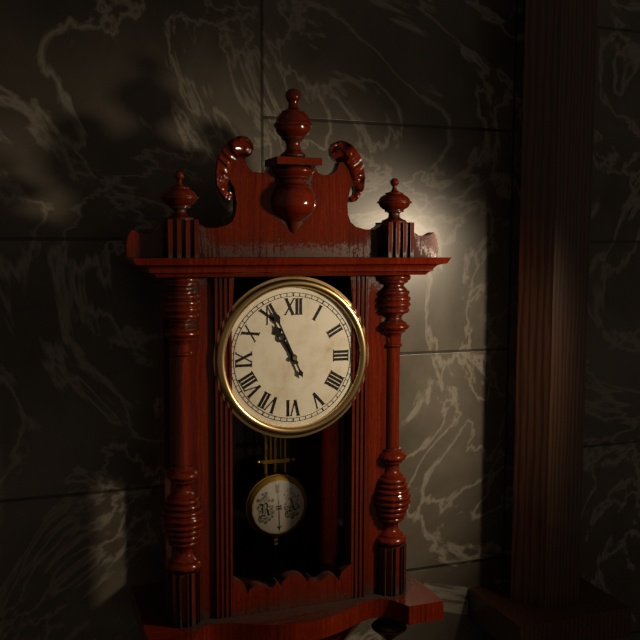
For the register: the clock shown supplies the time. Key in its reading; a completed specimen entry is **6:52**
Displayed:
**10:56**
